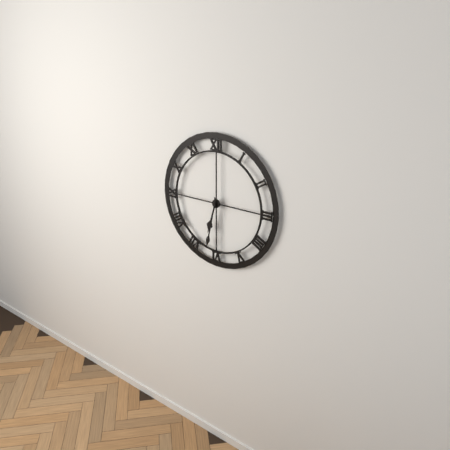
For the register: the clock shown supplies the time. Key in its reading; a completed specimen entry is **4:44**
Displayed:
**6:32**
